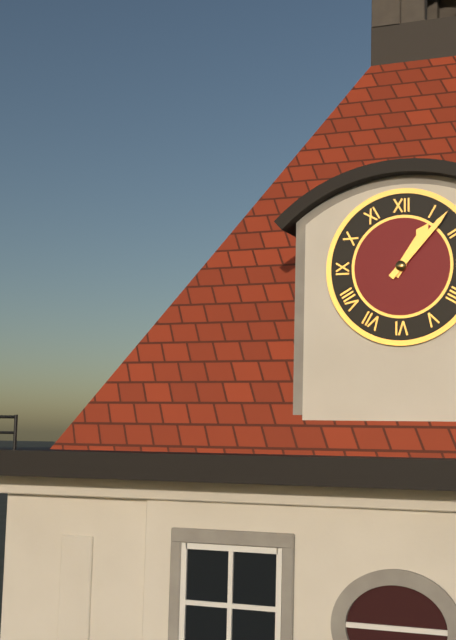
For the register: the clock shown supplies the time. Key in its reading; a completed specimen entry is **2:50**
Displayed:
**1:07**
